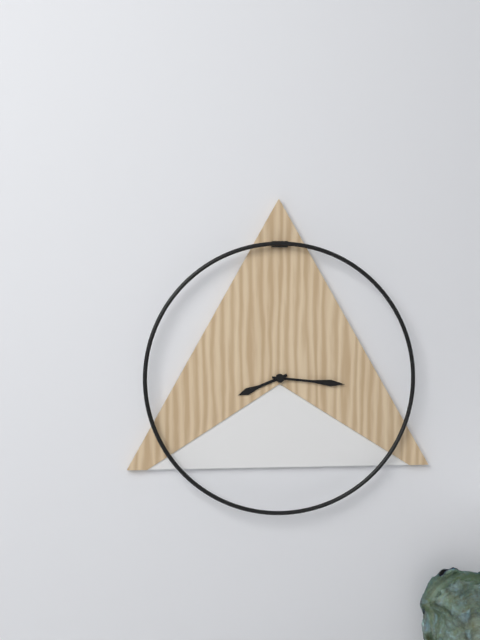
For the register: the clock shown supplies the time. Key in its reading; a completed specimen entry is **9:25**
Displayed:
**8:16**
